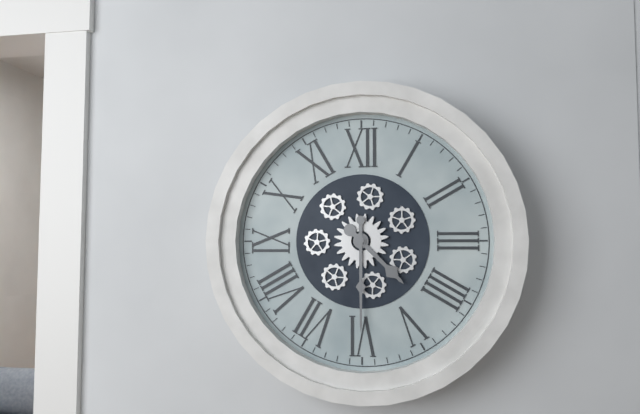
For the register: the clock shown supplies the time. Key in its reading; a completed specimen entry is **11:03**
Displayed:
**4:30**
